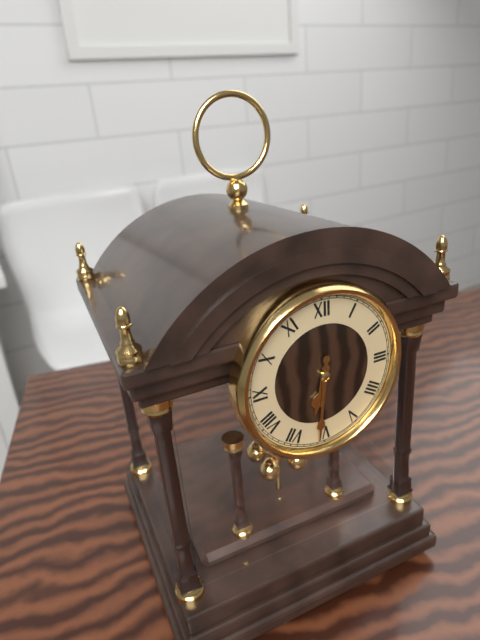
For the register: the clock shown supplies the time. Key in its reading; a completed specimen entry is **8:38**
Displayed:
**6:31**
